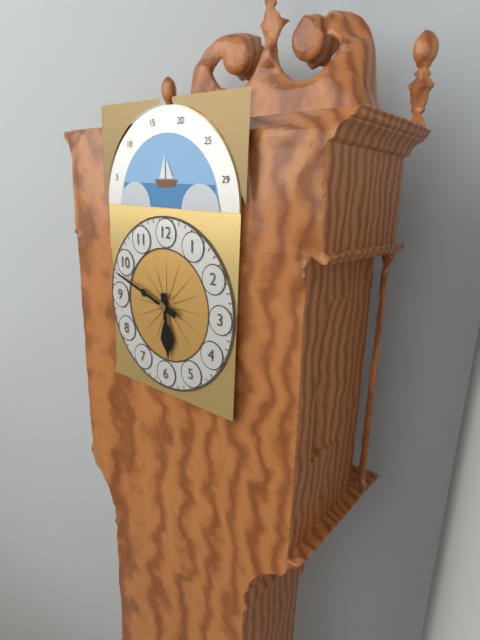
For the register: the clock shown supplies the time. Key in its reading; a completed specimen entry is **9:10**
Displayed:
**5:48**
